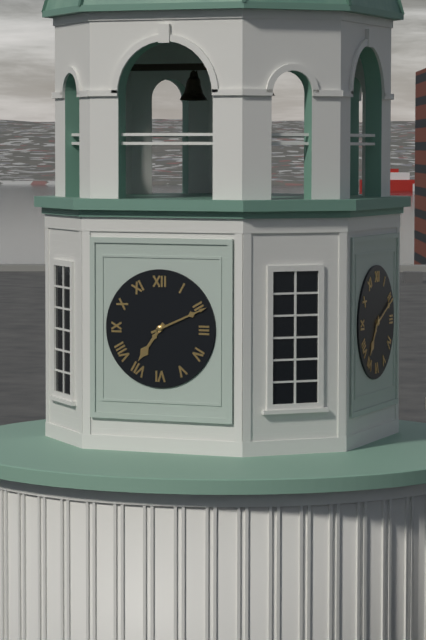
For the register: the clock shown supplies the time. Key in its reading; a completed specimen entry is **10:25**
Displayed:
**7:11**
